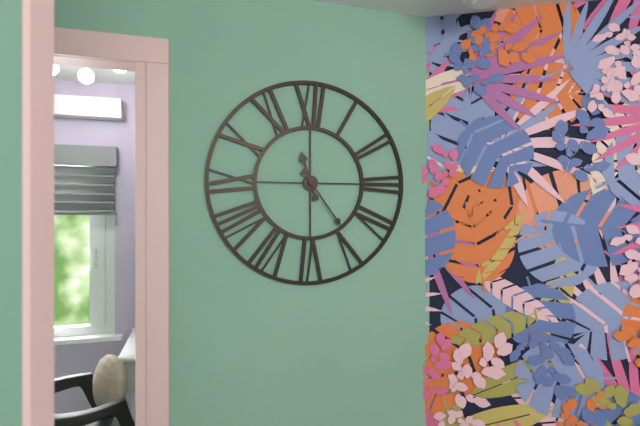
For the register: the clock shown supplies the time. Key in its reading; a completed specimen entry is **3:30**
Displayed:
**11:24**
